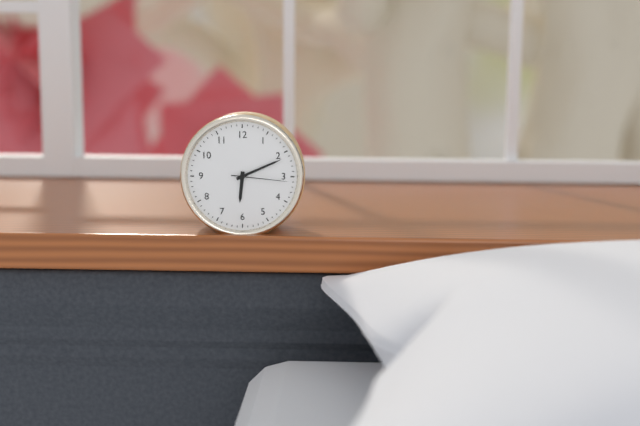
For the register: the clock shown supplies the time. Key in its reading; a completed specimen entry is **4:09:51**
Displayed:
**6:11:16**
